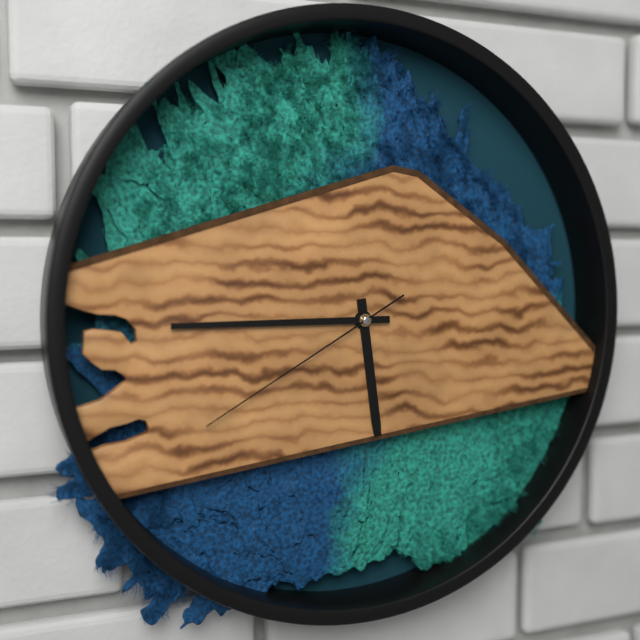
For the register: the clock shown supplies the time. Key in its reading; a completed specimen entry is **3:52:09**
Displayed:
**5:45:40**
